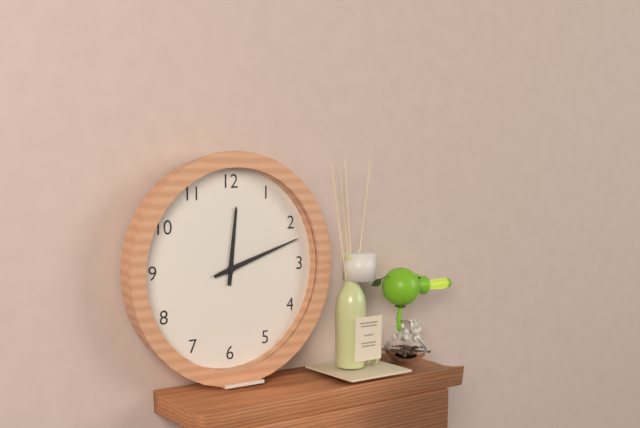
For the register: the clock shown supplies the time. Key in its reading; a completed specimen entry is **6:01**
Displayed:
**12:12**
